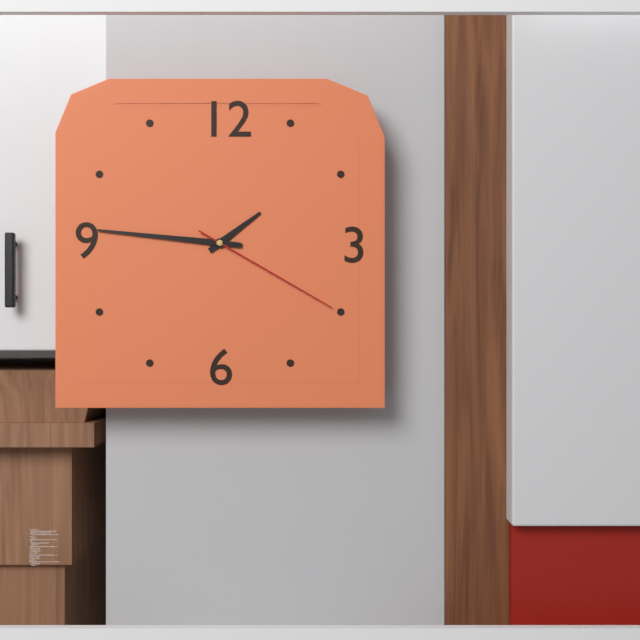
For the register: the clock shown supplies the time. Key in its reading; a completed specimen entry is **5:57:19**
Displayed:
**1:46:20**
